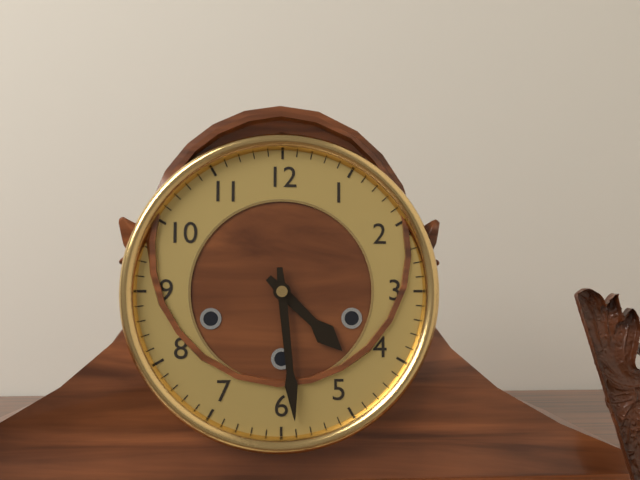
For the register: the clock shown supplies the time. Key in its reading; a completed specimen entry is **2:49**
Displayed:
**4:29**
